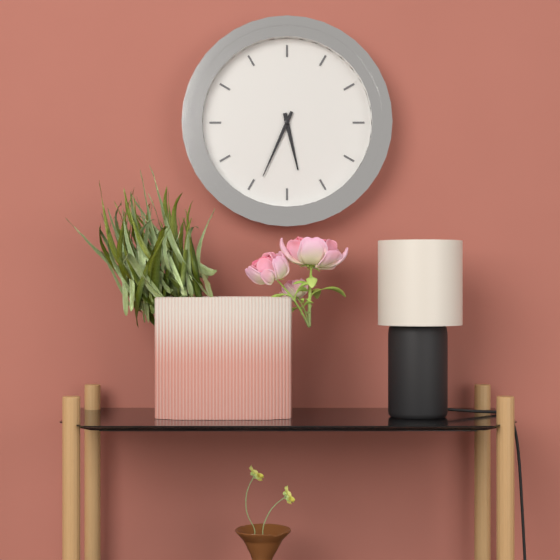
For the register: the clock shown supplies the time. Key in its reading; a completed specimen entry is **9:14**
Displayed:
**5:34**
